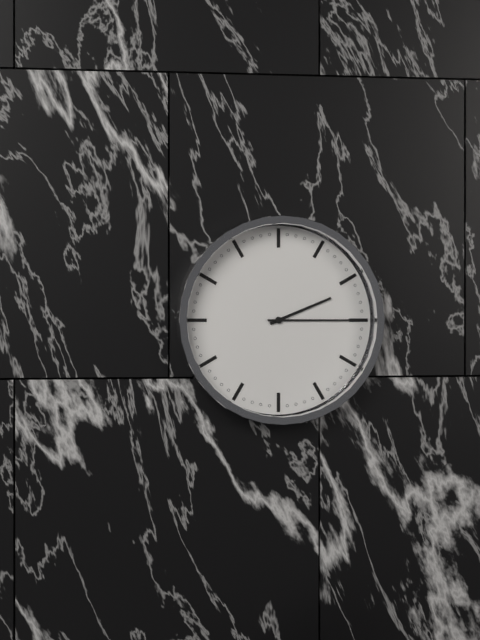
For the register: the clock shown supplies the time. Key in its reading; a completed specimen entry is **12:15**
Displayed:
**2:15**
